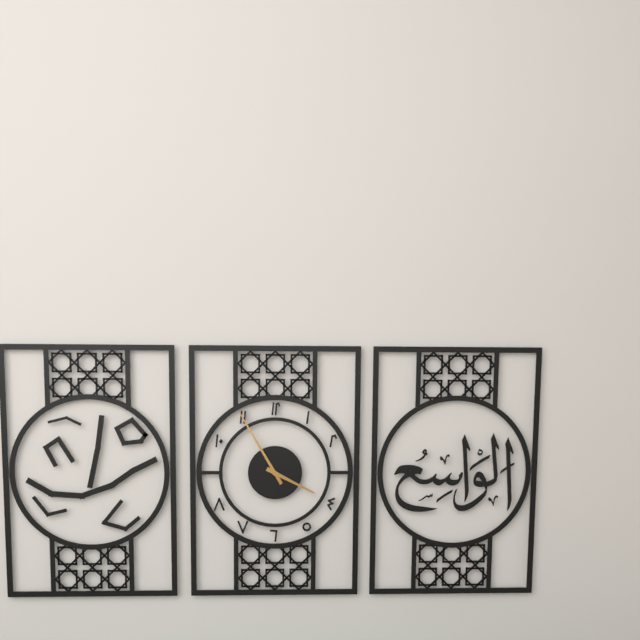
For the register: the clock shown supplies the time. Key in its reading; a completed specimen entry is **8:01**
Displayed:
**3:55**
